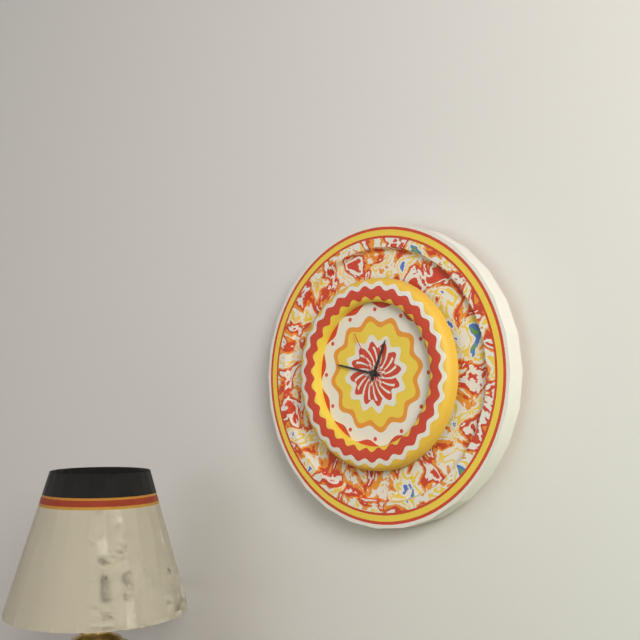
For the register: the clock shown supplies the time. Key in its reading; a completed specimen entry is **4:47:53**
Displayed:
**12:47:55**
